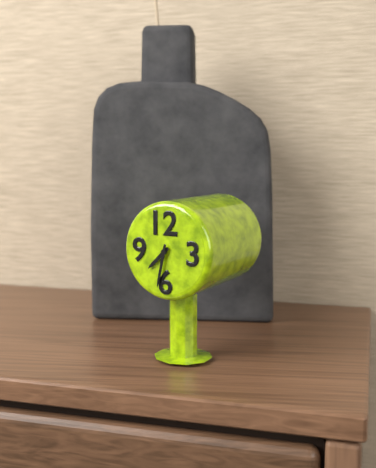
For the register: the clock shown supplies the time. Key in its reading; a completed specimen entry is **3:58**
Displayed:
**7:32**
